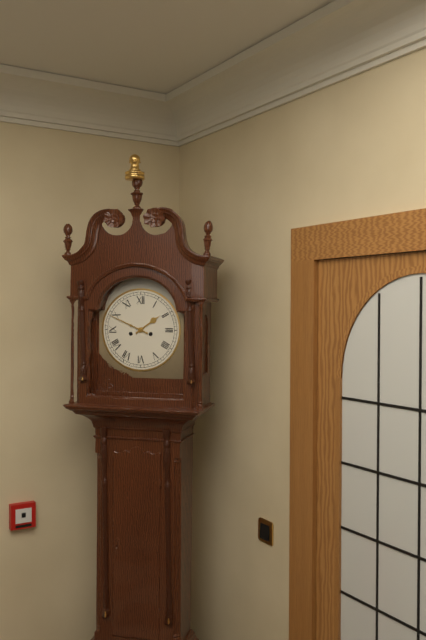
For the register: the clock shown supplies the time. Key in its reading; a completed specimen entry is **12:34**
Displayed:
**1:49**
